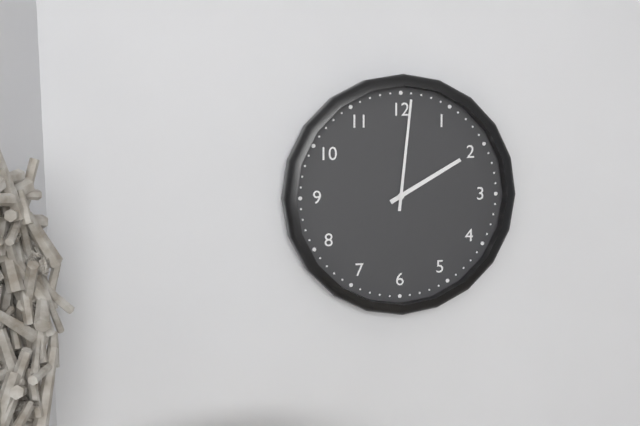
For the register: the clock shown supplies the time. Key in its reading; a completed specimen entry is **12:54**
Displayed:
**2:01**
